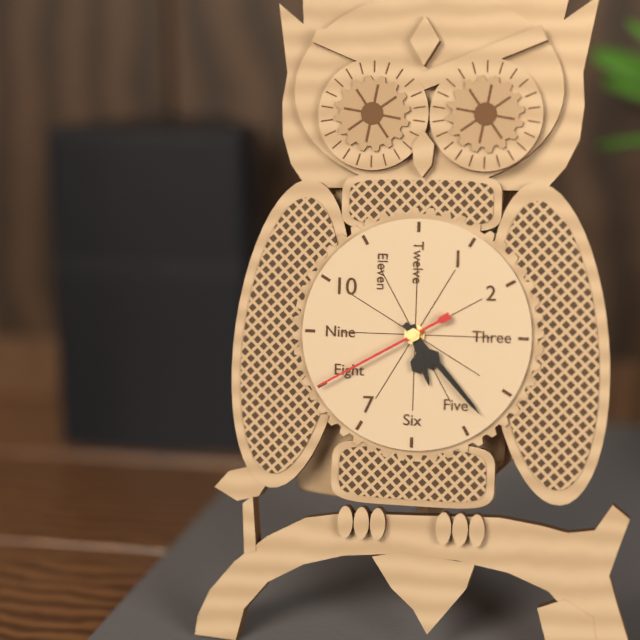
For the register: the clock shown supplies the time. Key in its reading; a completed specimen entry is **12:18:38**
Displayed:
**5:23:40**
